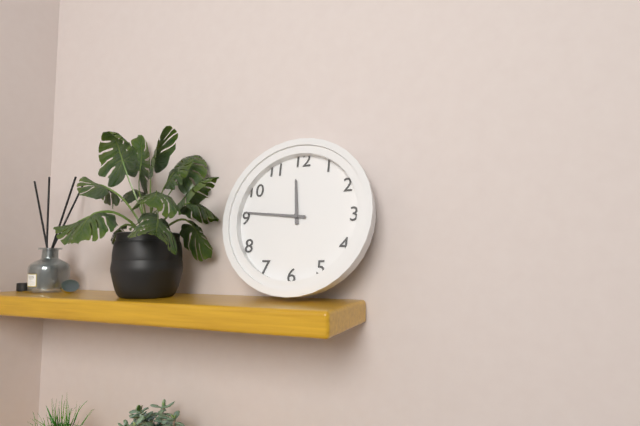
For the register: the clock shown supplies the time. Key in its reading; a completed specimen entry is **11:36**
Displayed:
**11:46**
